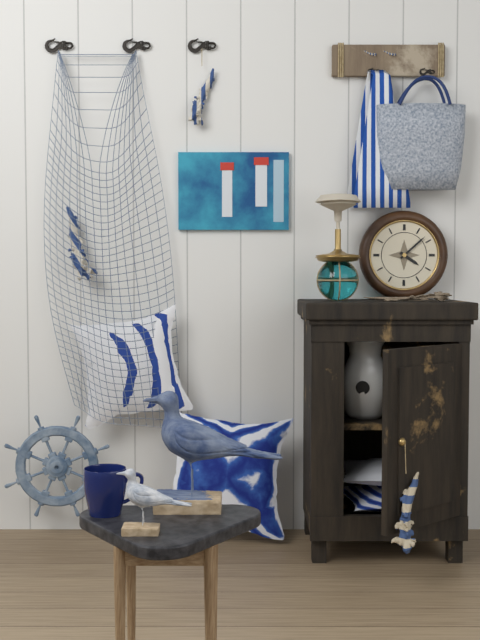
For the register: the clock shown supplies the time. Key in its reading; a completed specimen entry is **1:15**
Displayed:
**4:08**
